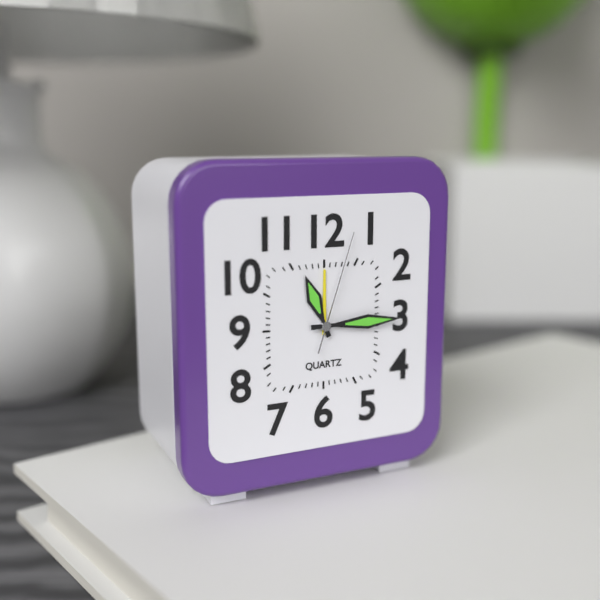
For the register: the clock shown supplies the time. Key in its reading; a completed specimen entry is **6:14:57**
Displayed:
**11:15:03**
